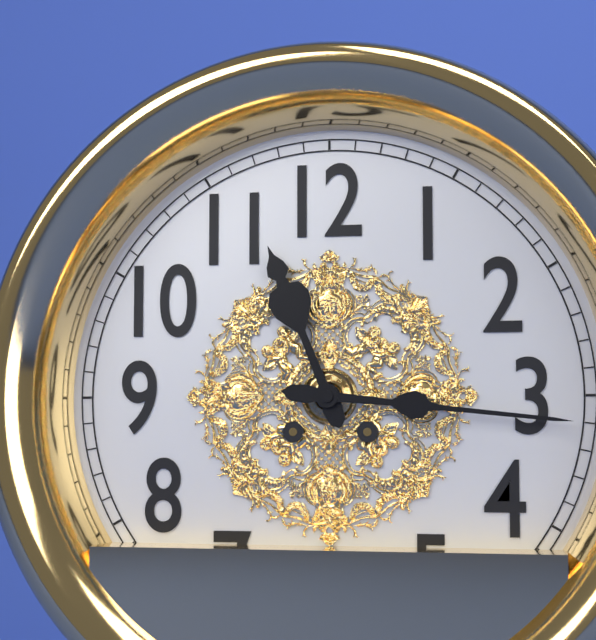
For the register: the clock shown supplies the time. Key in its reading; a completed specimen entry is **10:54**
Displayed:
**11:16**
